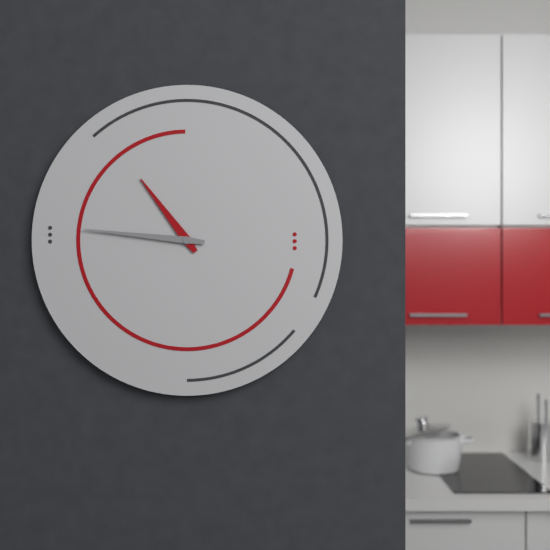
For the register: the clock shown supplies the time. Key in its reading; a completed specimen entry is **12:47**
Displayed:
**10:46**
